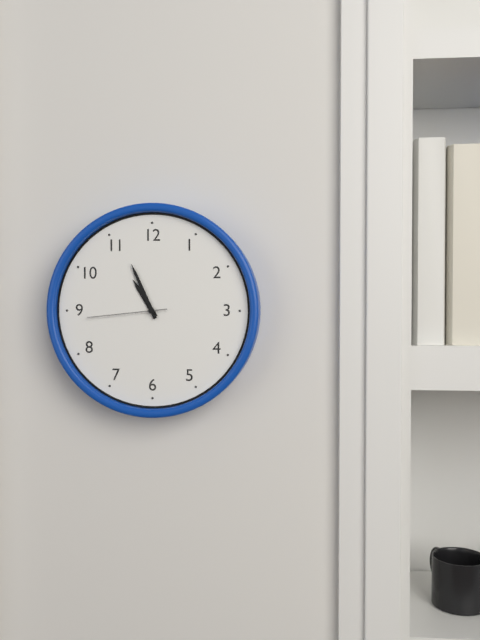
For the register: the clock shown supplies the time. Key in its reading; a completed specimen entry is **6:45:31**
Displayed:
**10:56:44**
